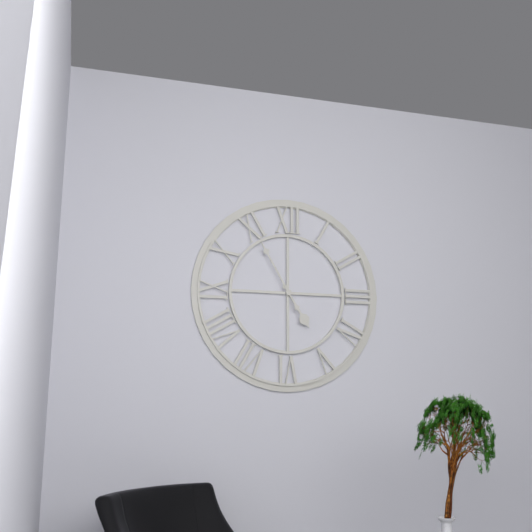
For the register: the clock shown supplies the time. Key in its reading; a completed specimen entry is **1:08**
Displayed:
**4:55**
